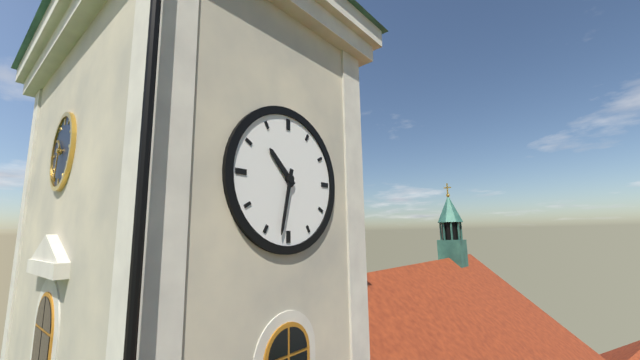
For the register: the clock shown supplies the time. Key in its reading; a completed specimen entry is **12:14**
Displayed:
**10:32**
